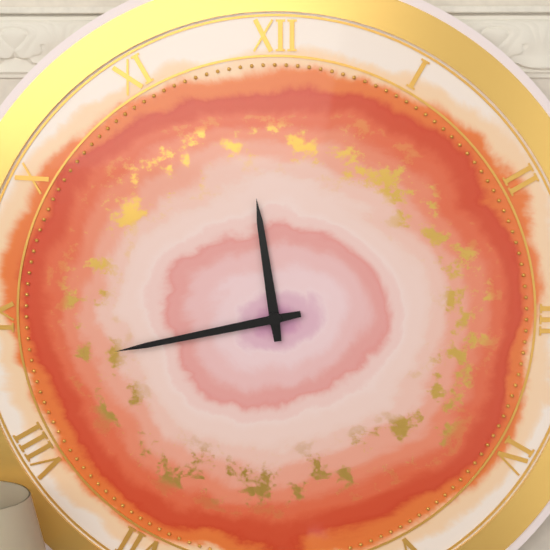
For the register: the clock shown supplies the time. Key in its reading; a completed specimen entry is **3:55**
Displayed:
**11:43**
